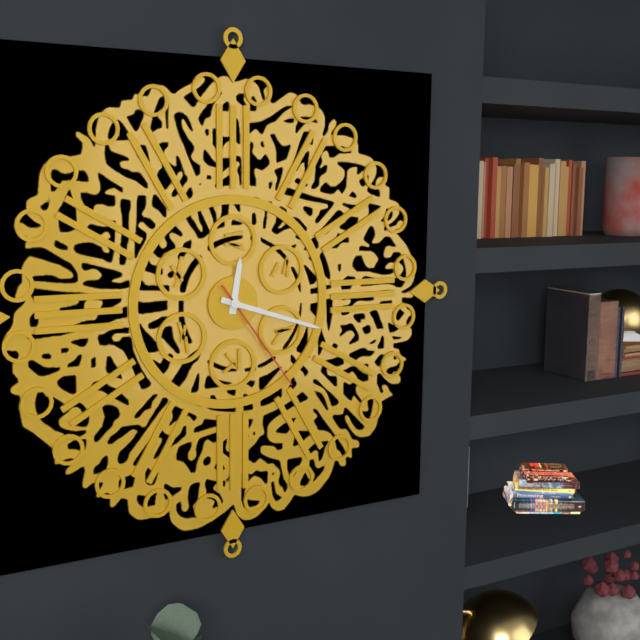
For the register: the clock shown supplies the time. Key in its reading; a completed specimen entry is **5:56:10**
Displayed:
**12:18:24**
